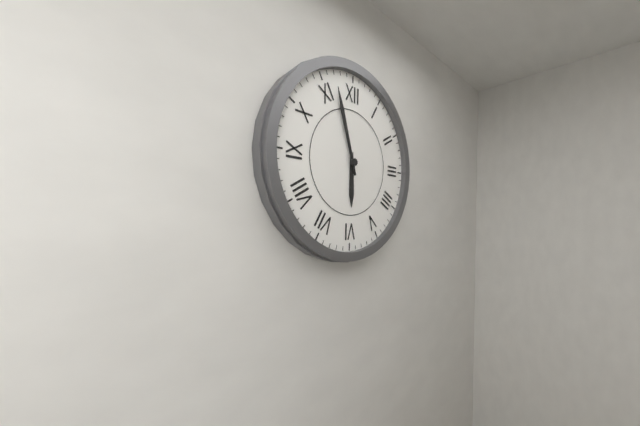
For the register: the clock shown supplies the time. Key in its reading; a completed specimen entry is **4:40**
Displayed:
**5:57**
